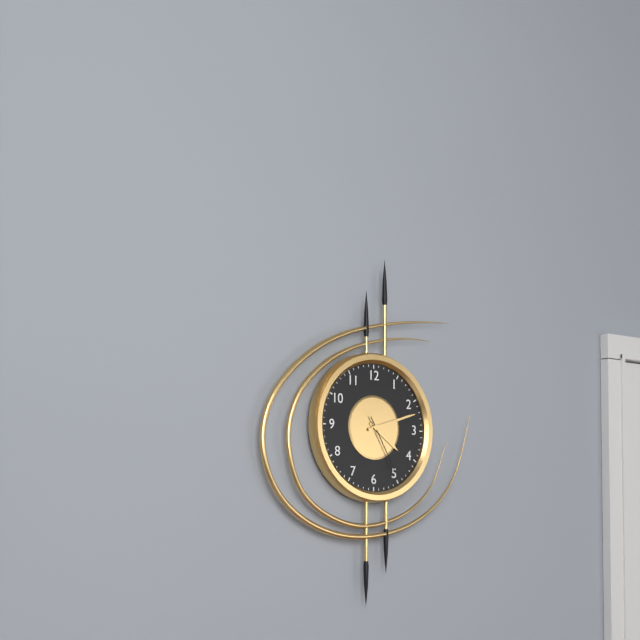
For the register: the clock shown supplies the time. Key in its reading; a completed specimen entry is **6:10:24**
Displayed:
**4:12:25**
